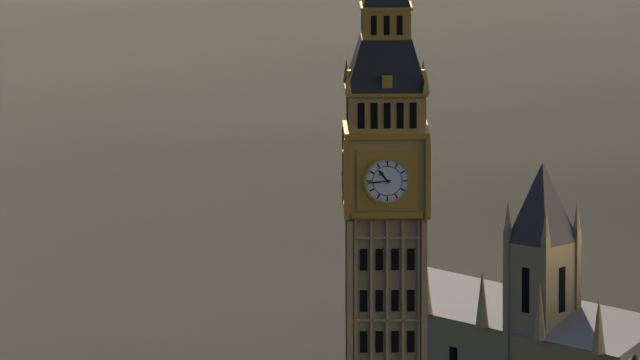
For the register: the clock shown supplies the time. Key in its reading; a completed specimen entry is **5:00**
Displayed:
**10:44**
